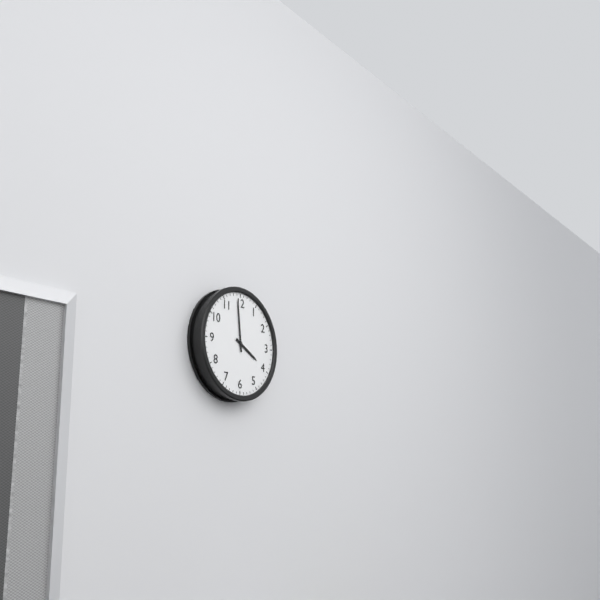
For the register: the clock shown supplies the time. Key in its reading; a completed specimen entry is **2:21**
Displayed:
**3:59**
